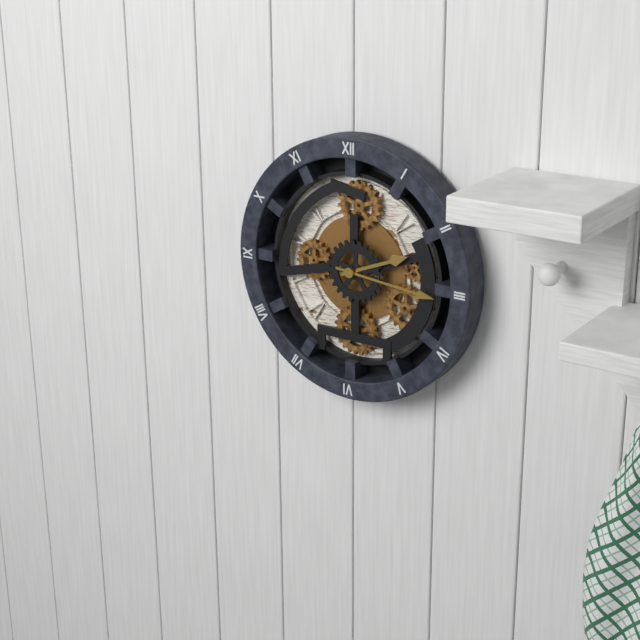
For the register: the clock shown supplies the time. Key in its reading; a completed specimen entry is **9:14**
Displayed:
**2:16**
